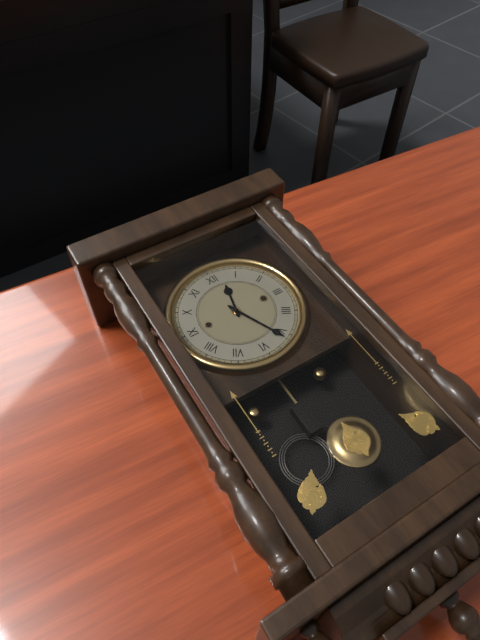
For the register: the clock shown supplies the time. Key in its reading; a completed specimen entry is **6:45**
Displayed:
**12:26**
